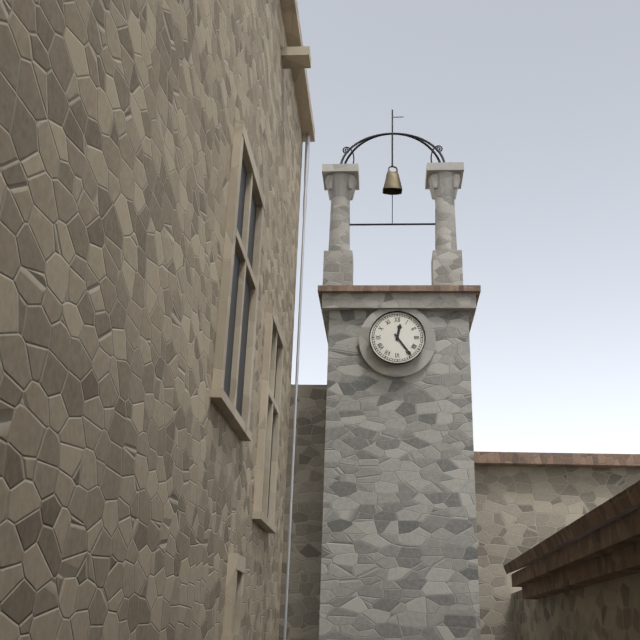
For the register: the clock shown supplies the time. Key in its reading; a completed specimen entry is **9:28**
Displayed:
**12:24**
